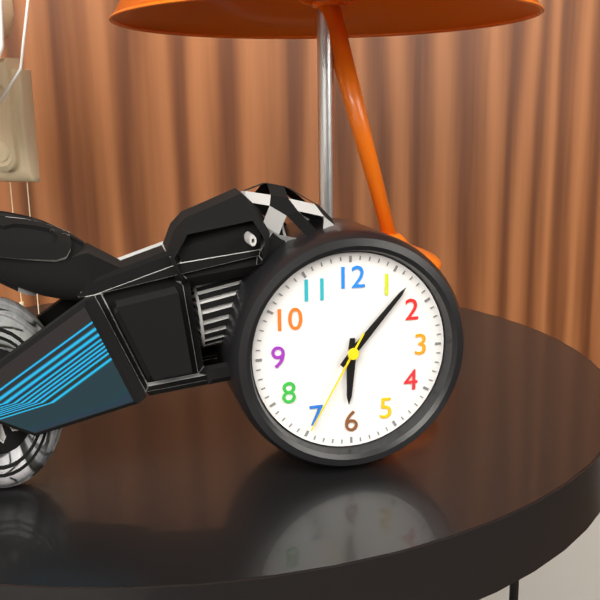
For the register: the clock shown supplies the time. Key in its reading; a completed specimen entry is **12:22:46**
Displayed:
**6:07:35**
